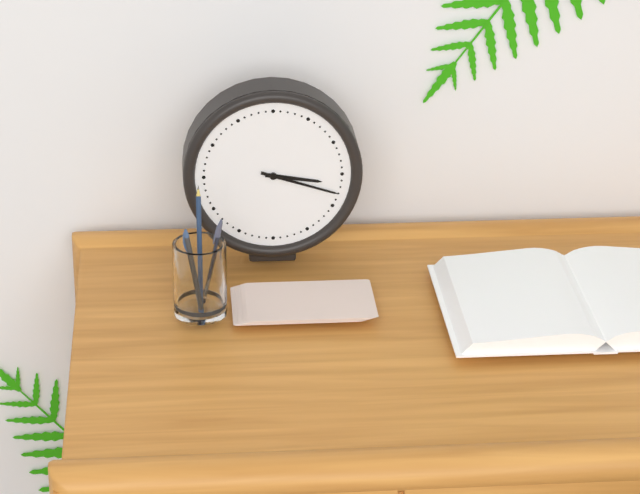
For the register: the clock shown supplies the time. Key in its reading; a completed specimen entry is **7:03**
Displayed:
**3:18**
